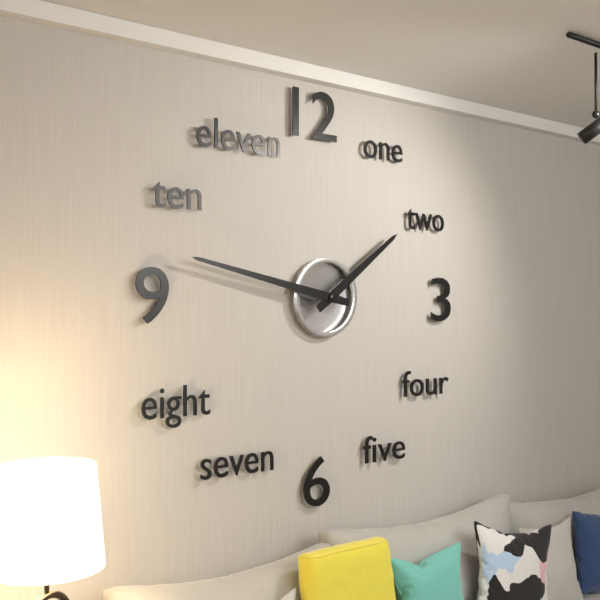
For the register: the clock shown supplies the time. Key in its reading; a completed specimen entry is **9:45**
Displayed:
**1:47**
